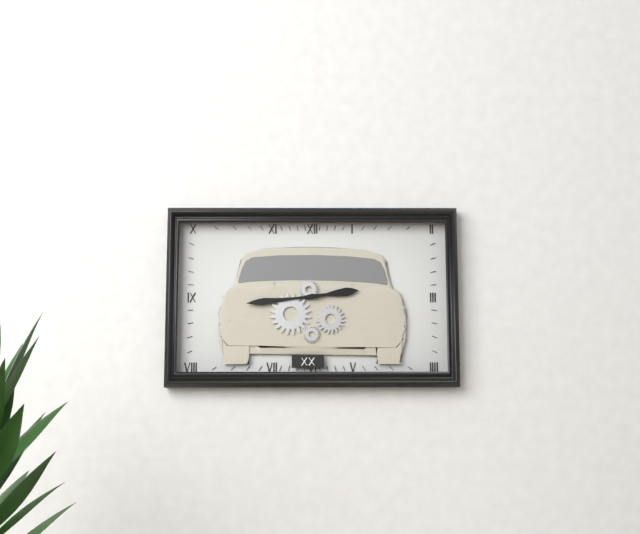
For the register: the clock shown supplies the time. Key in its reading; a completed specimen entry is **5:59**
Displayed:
**2:44**
